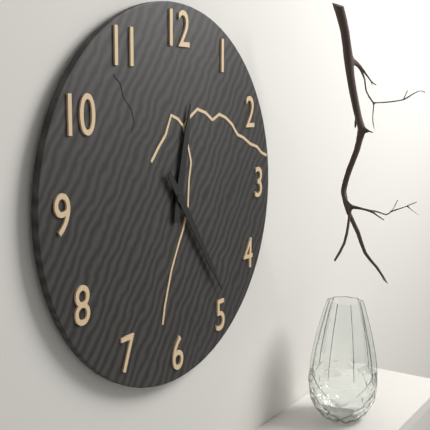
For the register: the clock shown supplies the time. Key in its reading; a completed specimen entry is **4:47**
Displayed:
**12:24**
